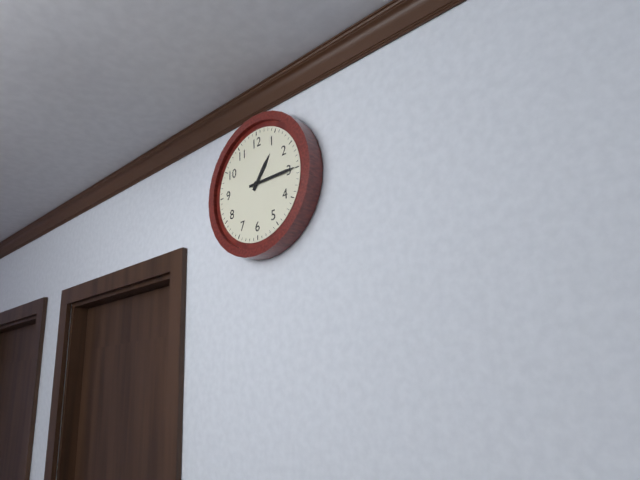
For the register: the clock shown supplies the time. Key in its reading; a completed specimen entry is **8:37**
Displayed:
**1:15**
